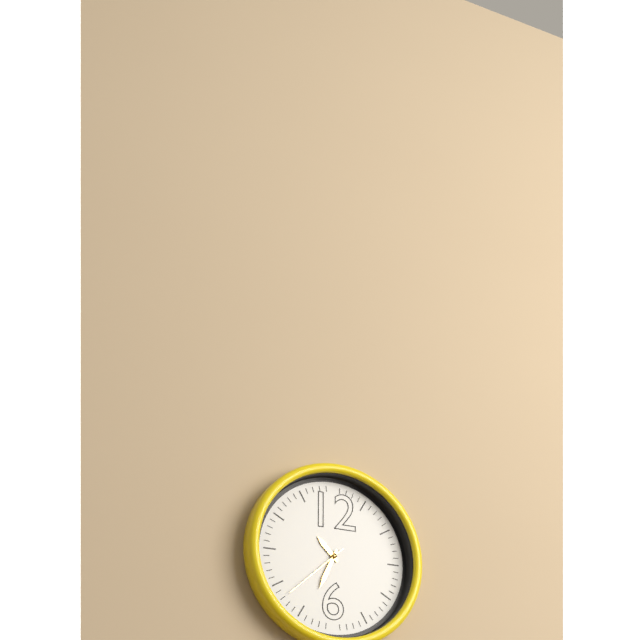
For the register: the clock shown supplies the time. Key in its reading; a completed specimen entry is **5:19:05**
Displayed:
**10:34:38**
